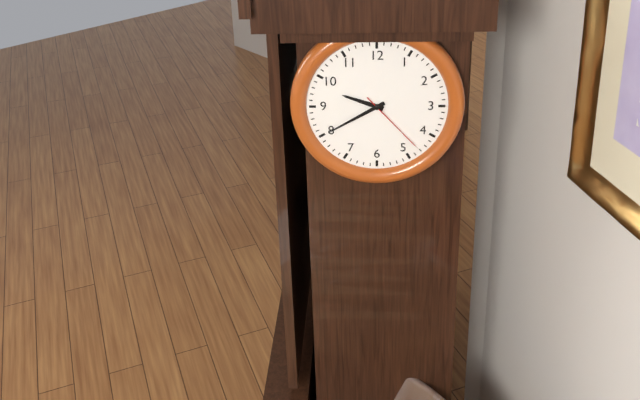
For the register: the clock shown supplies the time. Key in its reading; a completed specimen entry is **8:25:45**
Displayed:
**9:40:23**
